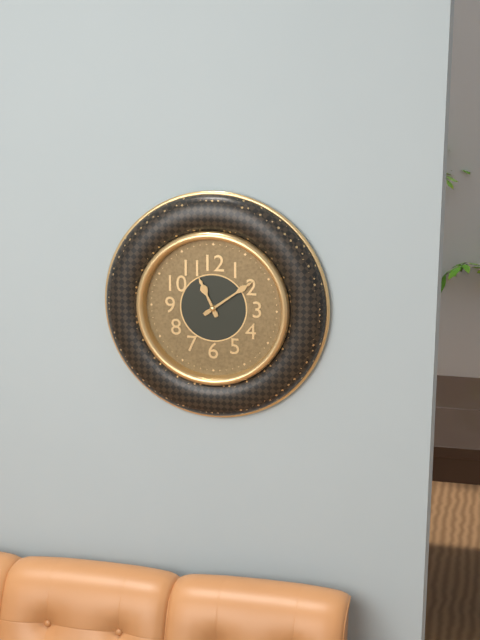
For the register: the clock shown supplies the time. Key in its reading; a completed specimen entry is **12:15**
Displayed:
**11:09**
